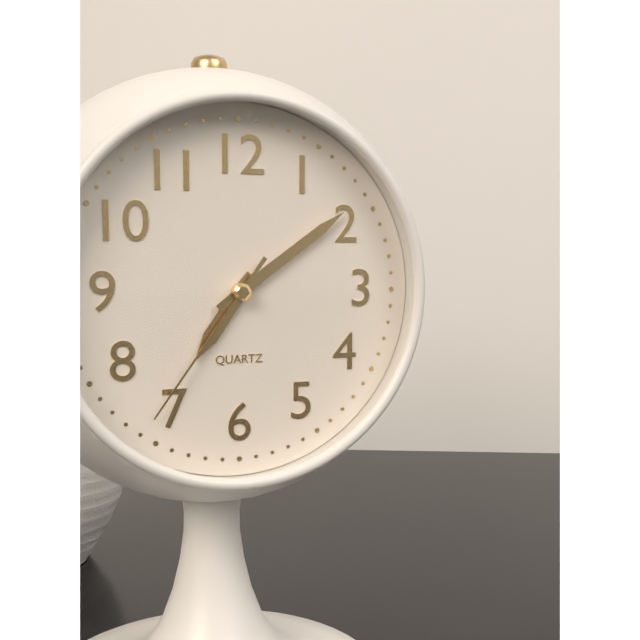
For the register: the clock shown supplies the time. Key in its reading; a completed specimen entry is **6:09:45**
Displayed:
**7:09:36**
